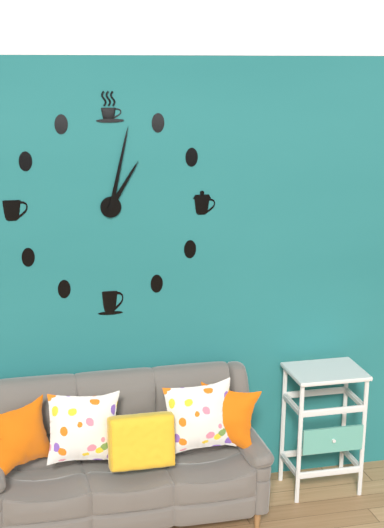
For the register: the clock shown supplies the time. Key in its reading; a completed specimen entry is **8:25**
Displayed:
**1:02**
